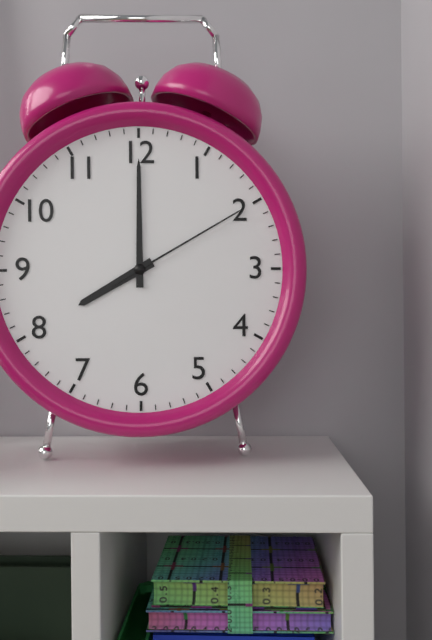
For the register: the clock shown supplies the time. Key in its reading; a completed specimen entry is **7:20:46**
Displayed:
**8:00:10**
